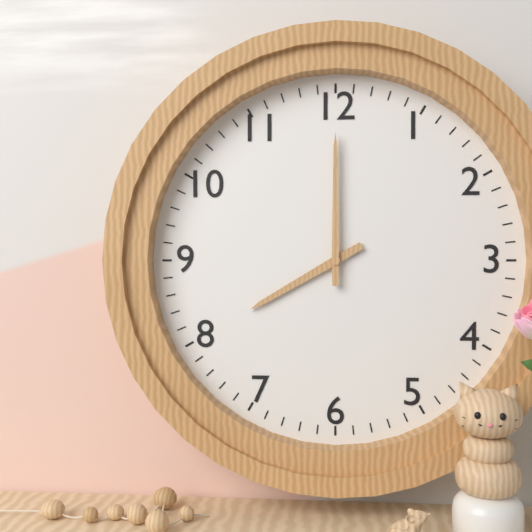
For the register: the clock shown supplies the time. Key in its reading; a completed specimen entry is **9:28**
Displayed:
**8:00**
